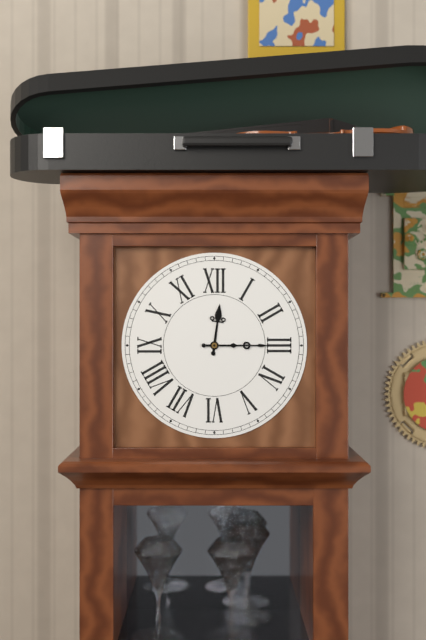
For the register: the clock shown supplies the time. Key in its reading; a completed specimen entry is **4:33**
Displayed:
**12:15**
